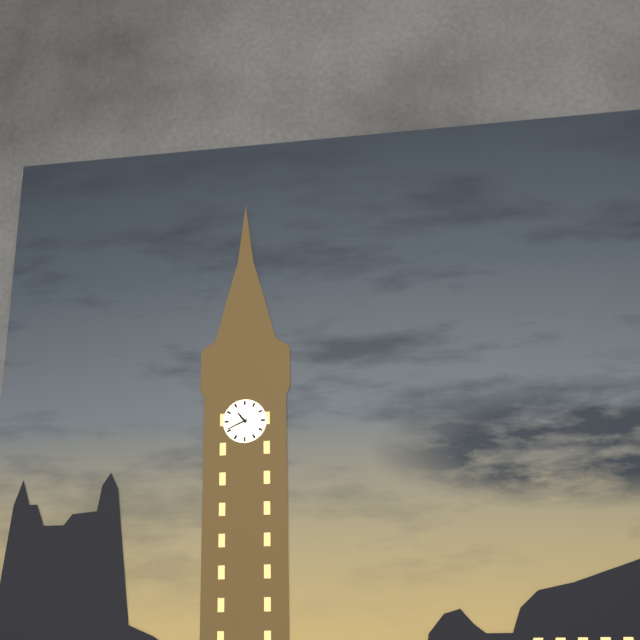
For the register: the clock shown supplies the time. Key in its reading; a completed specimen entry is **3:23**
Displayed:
**10:41**
